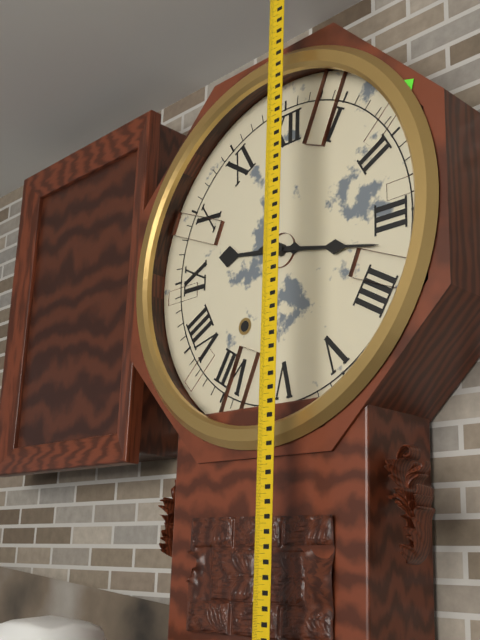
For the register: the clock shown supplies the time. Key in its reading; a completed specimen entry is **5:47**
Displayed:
**9:17**
